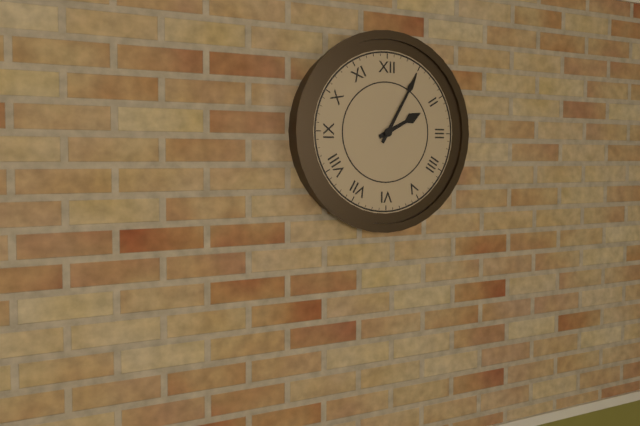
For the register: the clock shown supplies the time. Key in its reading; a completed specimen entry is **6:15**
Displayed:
**2:05**
